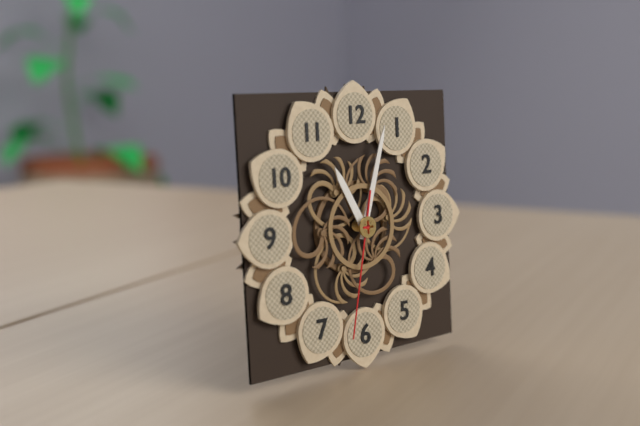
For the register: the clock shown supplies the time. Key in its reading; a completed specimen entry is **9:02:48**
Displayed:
**11:03:32**
